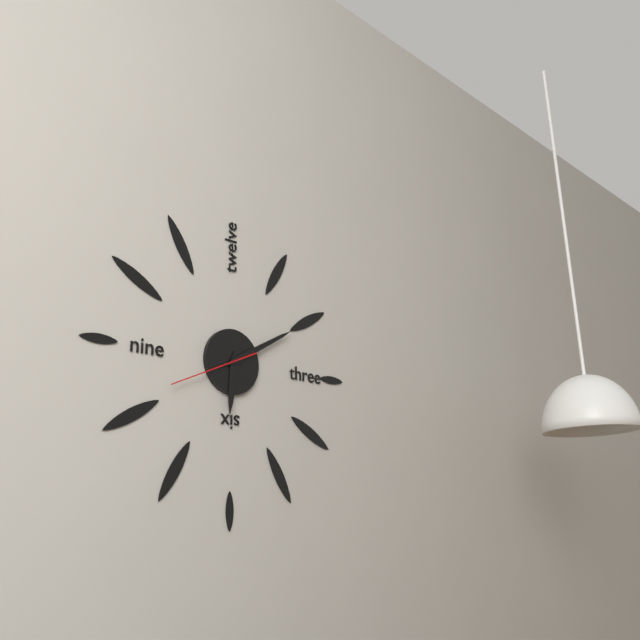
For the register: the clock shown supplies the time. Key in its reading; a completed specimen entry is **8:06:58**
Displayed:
**6:10:41**
